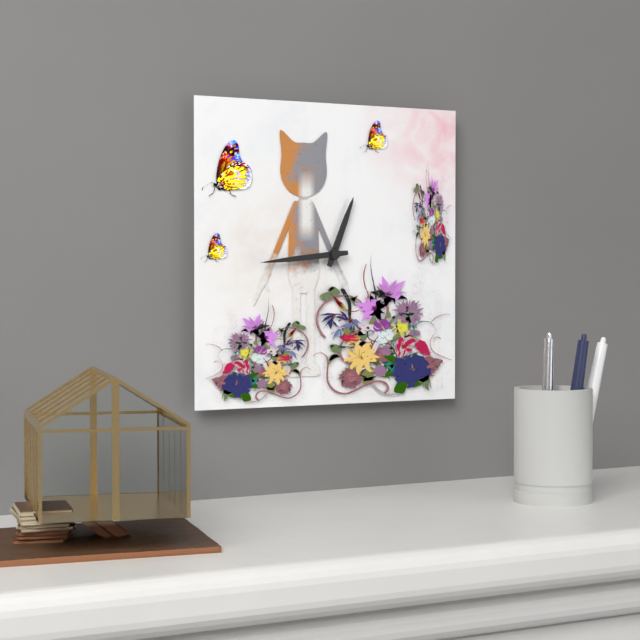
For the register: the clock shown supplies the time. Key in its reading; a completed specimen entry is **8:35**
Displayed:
**12:44**
